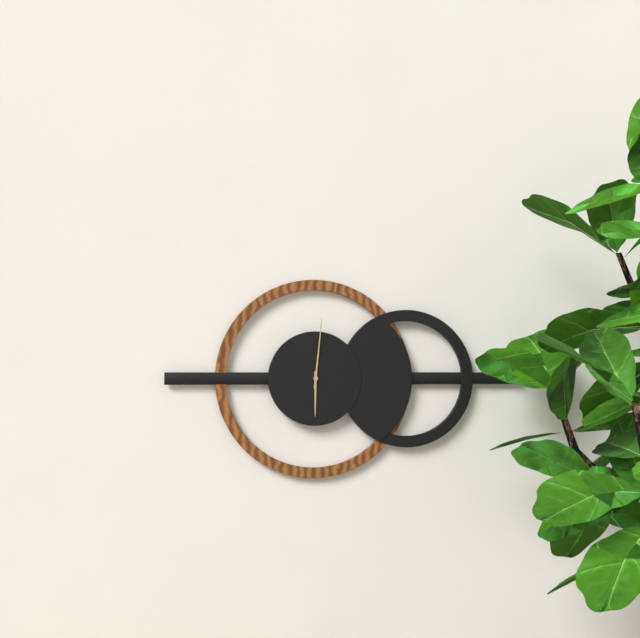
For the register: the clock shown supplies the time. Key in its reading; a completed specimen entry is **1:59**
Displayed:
**6:01**
